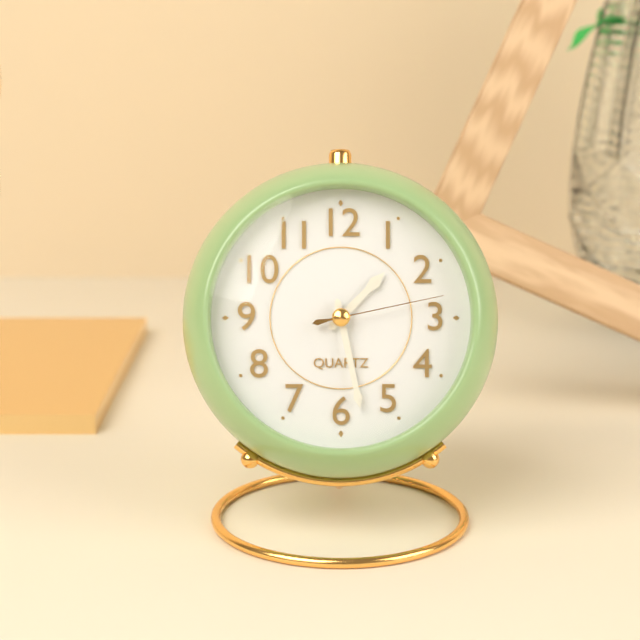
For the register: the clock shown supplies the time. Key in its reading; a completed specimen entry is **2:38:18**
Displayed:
**1:28:13**
